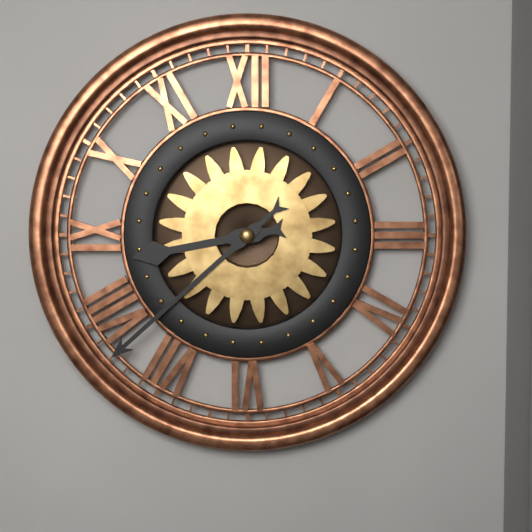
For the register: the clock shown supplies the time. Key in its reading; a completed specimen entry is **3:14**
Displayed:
**8:38**
